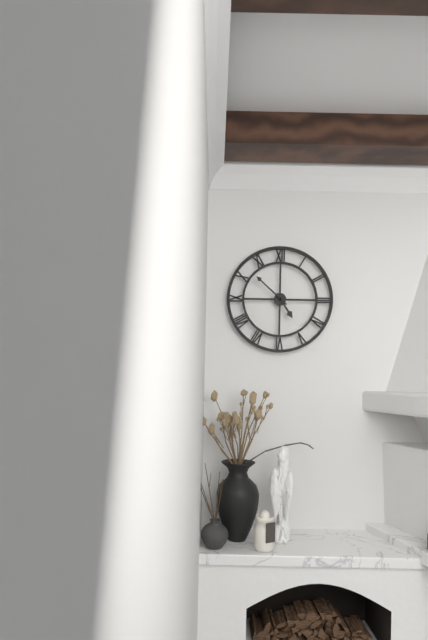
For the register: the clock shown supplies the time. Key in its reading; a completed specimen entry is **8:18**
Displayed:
**4:52**
